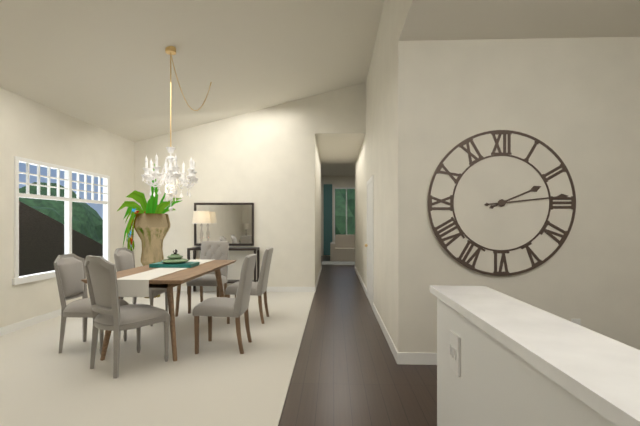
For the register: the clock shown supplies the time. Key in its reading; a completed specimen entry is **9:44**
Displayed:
**2:14**
